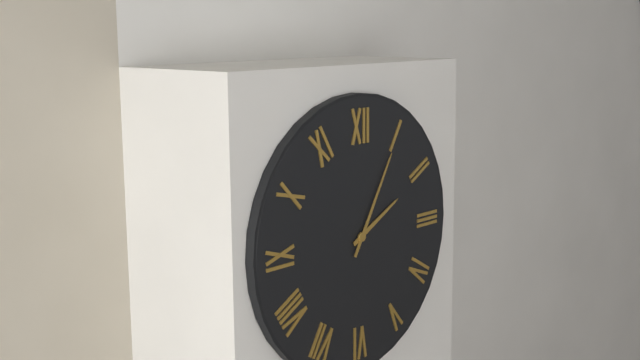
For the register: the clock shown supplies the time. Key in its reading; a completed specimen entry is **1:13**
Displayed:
**2:05**
